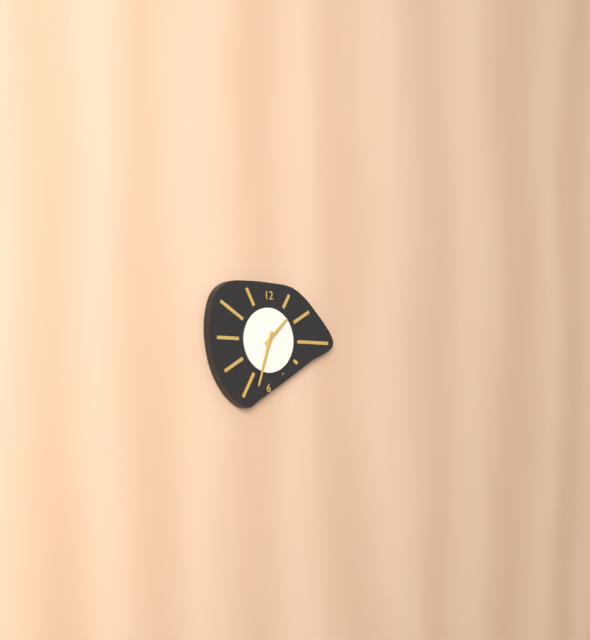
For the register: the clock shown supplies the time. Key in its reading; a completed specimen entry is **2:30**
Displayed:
**1:33**
